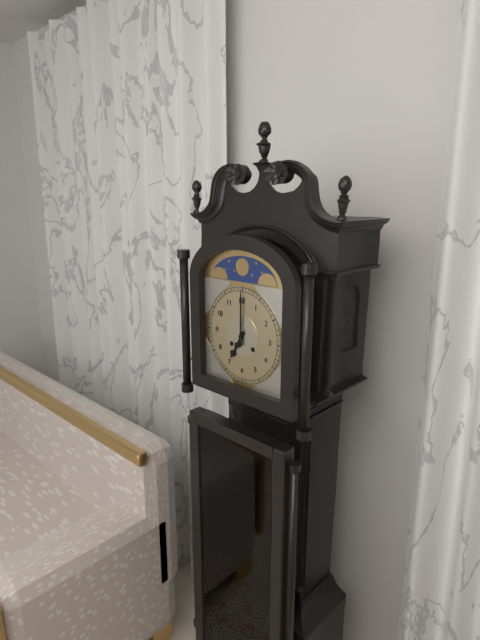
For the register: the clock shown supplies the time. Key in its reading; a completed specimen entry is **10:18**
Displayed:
**7:00**
